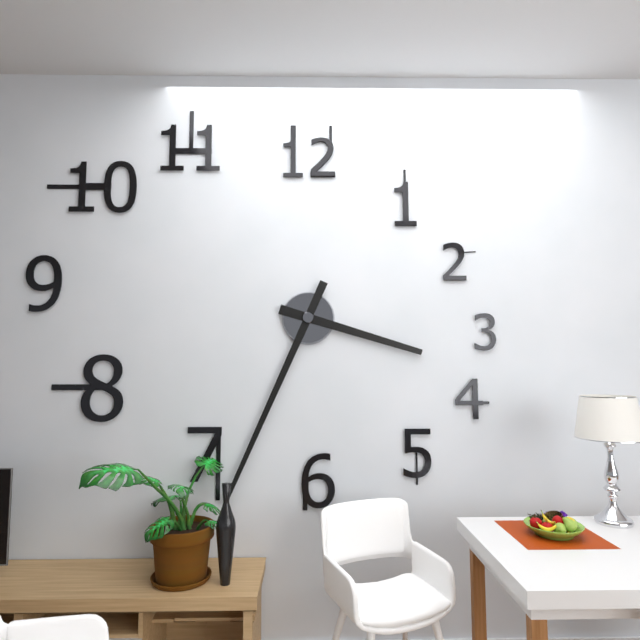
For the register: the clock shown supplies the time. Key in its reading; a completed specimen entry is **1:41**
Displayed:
**3:34**
